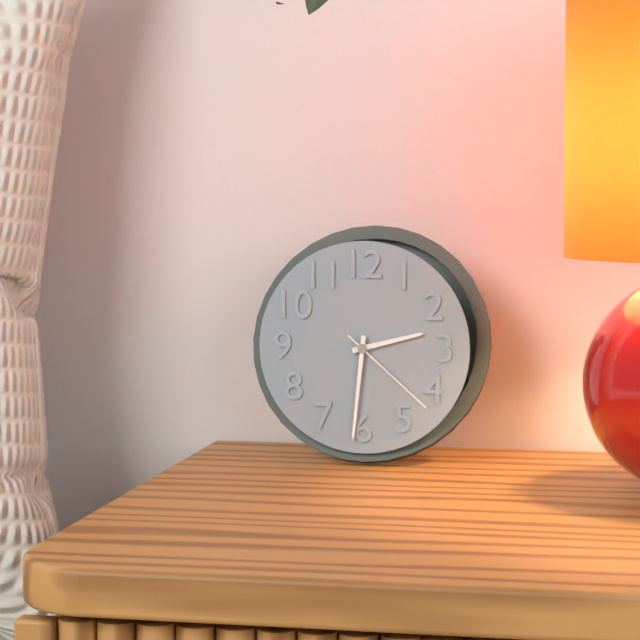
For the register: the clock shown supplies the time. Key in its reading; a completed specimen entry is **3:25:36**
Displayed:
**2:31:22**
